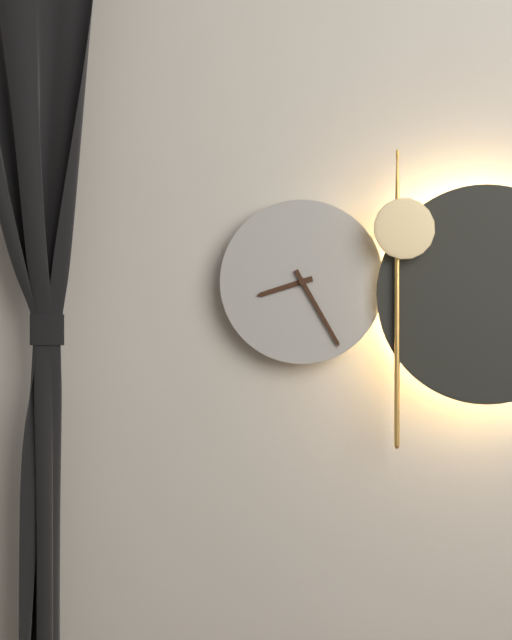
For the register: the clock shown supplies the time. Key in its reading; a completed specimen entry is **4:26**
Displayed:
**8:25**
